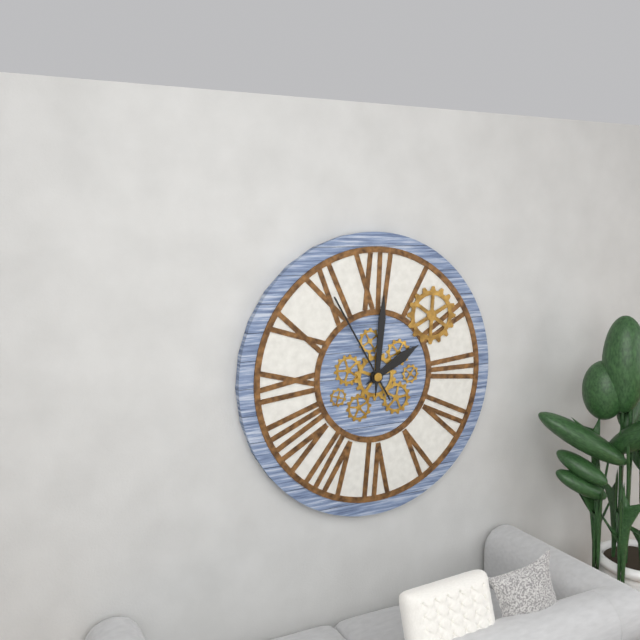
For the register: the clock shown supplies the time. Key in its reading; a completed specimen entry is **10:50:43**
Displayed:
**2:01:55**
